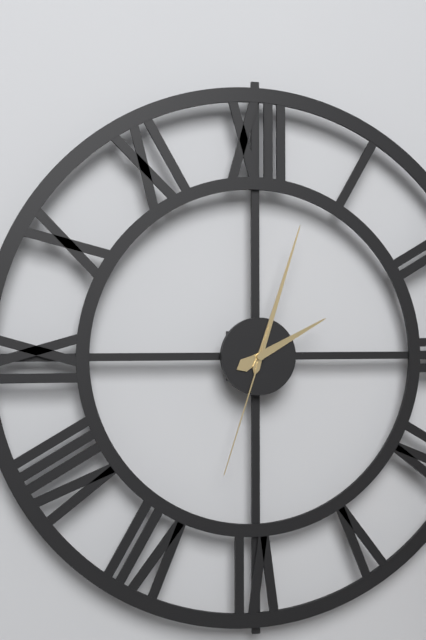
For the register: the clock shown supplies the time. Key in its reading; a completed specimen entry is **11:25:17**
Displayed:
**2:03:33**
